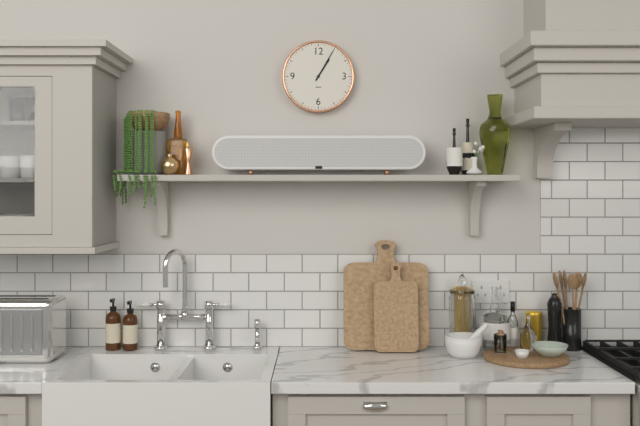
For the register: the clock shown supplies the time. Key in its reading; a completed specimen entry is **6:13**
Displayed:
**1:05**
